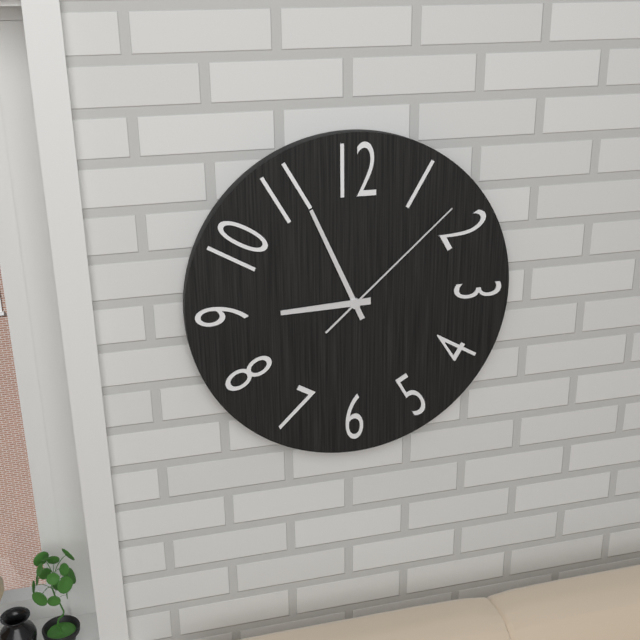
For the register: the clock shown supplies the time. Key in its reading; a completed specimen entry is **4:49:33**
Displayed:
**8:56:08**
